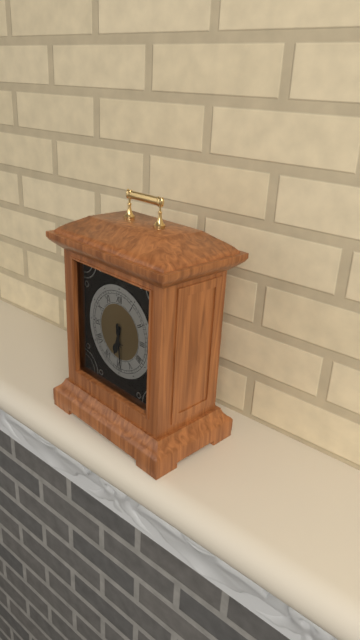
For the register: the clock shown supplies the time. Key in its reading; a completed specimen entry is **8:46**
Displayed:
**6:29**
